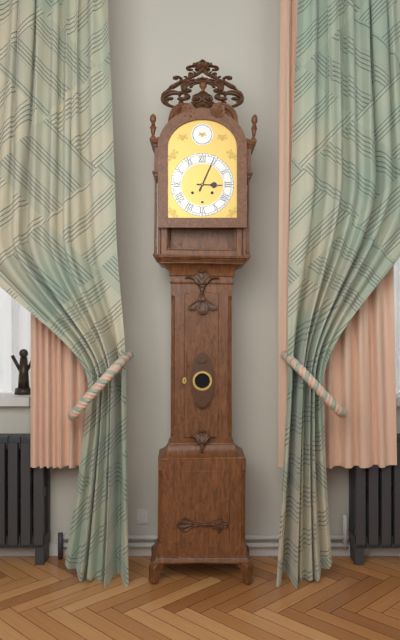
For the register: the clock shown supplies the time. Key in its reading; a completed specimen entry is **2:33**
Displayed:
**3:04**
